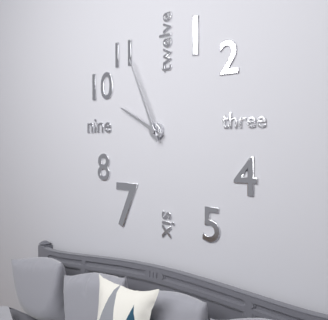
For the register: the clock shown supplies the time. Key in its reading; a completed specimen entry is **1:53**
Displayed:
**9:56**
